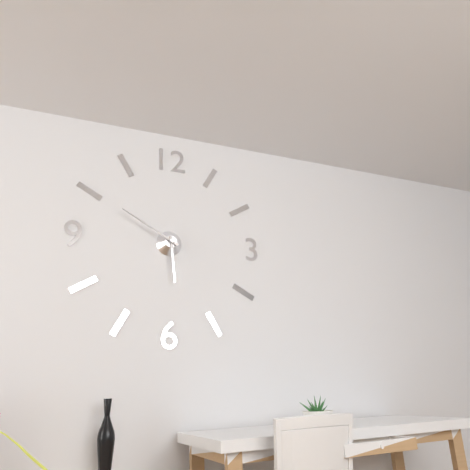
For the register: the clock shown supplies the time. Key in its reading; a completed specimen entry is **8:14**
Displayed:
**5:50**
